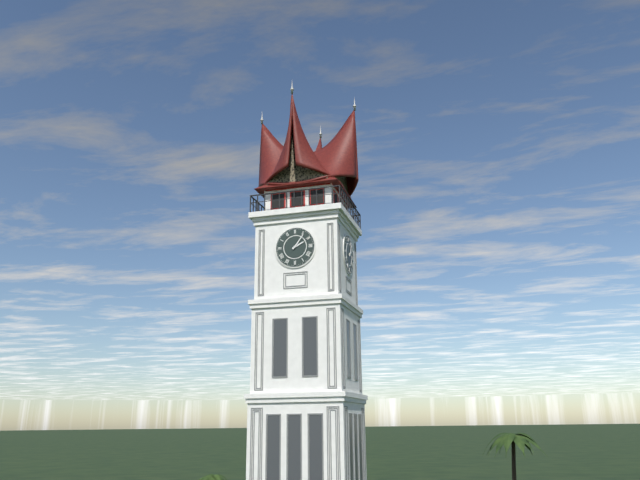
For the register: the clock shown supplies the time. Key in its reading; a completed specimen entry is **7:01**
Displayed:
**2:06**
